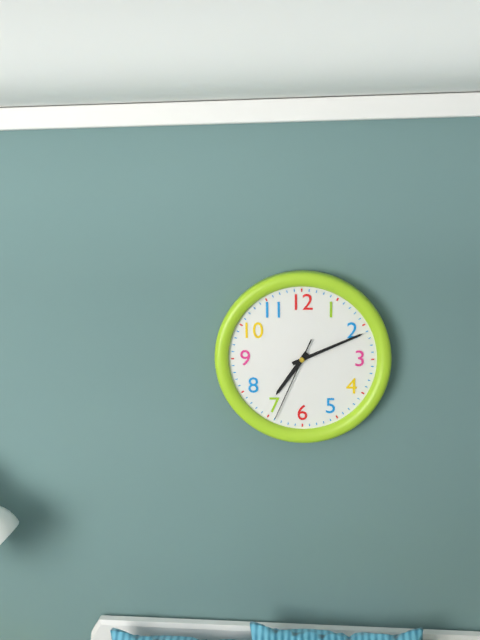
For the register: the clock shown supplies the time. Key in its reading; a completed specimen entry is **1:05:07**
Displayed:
**7:11:34**
